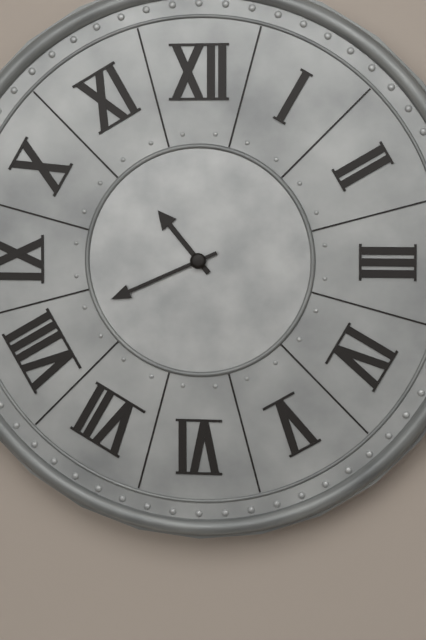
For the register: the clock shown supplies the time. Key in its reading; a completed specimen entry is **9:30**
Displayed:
**10:41**
